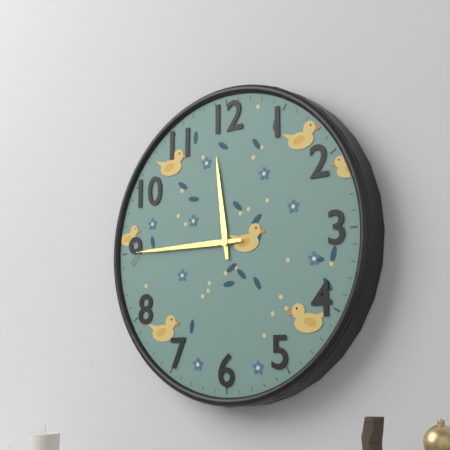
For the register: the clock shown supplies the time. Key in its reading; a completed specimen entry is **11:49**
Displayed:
**11:45**
